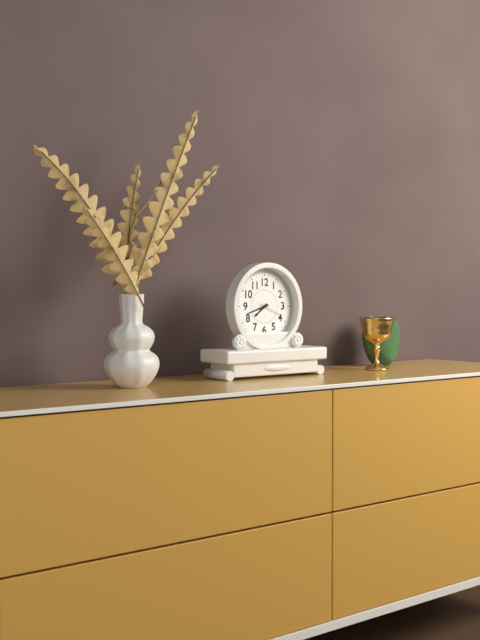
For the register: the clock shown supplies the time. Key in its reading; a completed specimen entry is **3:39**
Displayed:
**7:42**
